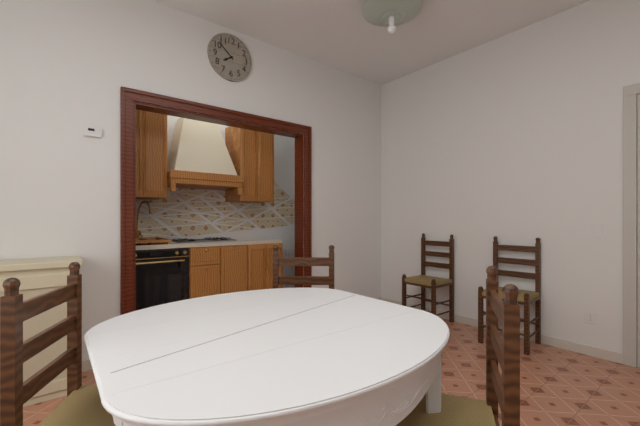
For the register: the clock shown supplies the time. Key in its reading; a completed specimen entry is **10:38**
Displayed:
**7:52**
